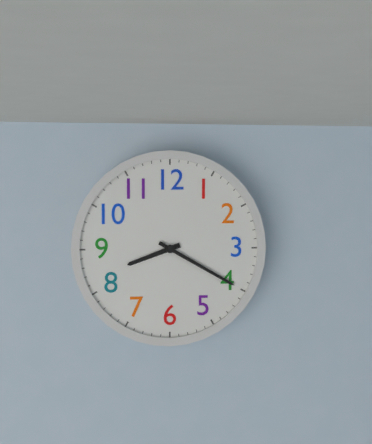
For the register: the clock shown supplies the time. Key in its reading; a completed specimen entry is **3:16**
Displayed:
**8:20**
